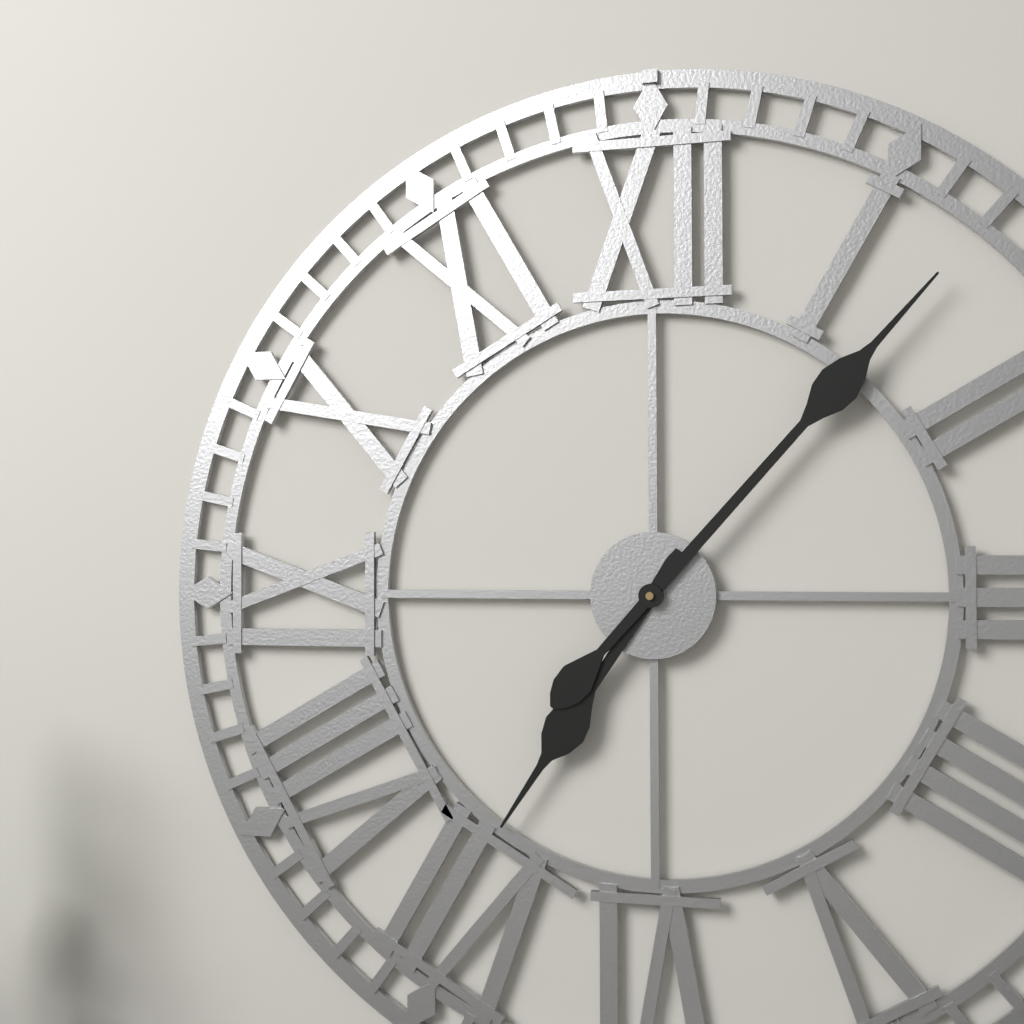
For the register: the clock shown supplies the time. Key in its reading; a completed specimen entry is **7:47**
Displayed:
**7:07**
